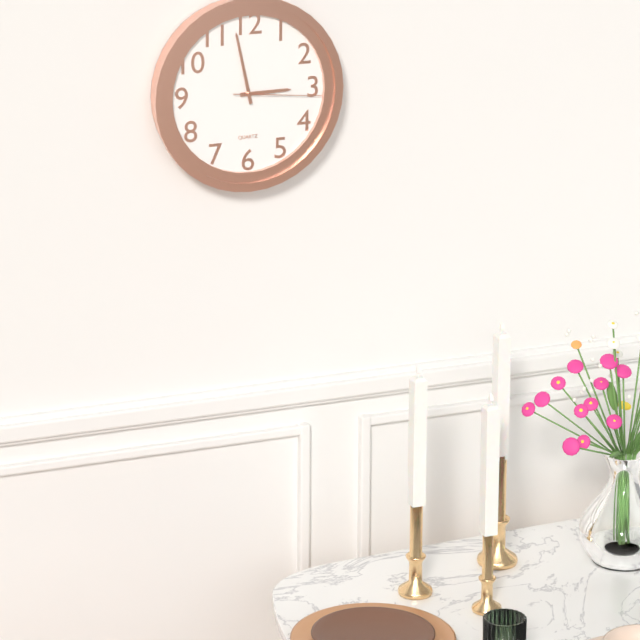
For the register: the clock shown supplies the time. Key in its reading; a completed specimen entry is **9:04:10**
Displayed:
**2:58:16**
